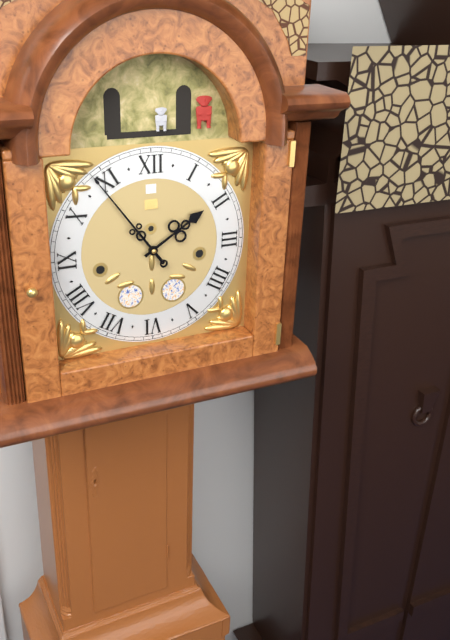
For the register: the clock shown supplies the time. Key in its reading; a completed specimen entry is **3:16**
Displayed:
**1:54**
